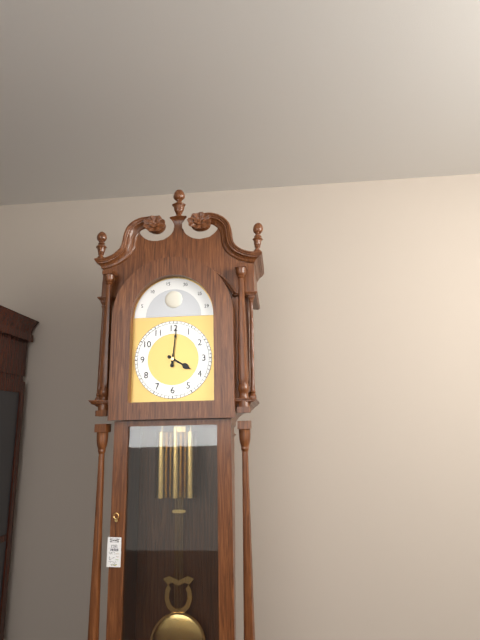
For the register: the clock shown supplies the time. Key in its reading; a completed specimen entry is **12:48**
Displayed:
**4:01**
